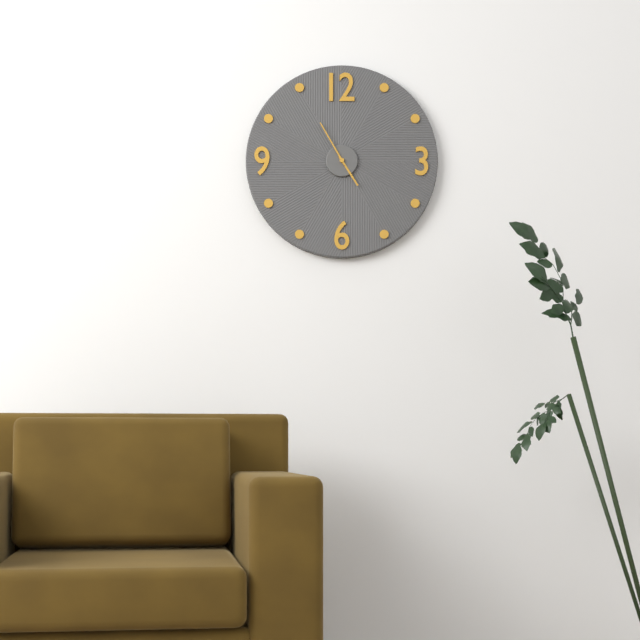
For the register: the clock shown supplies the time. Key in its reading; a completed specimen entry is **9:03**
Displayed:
**4:55**
